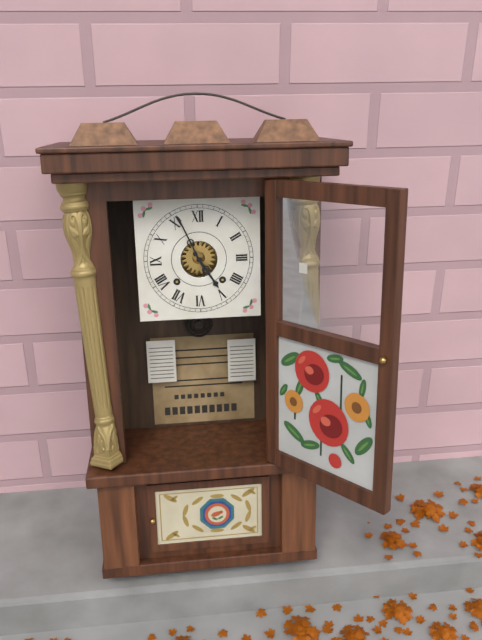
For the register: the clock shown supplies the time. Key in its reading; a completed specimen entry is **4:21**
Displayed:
**4:56**
